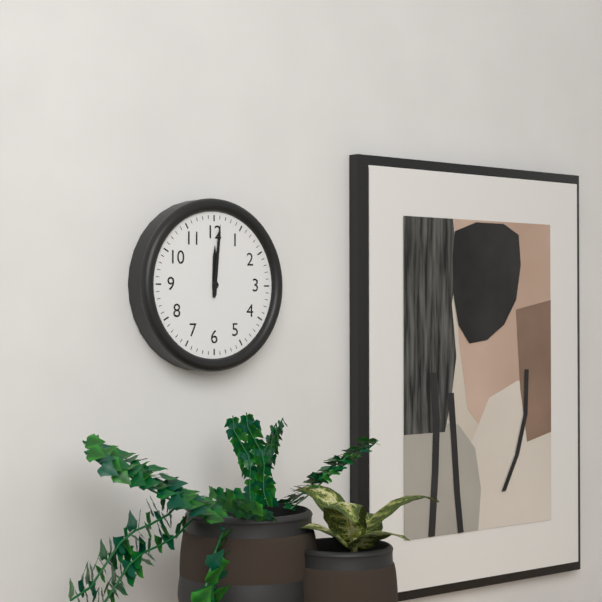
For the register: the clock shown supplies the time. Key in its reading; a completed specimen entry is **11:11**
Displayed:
**12:01**
